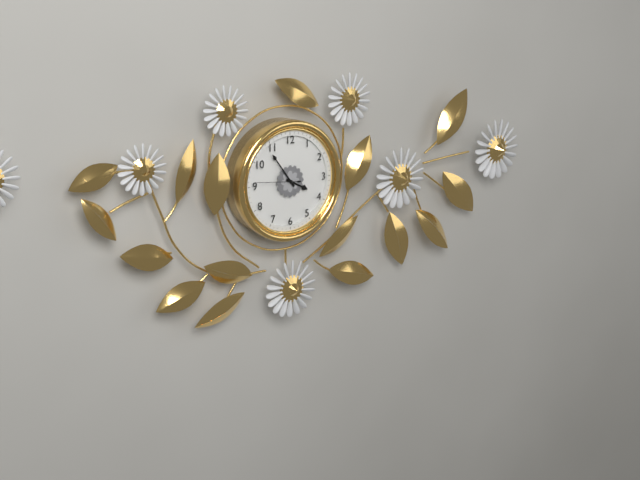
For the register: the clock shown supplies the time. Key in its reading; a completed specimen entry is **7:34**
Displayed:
**3:54**
